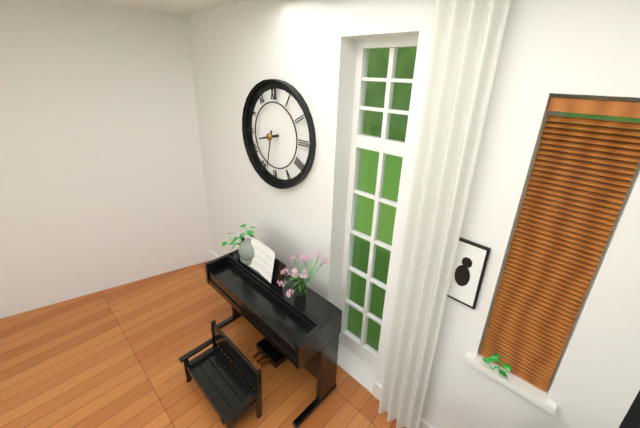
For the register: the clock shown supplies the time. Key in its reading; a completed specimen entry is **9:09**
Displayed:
**8:32**
